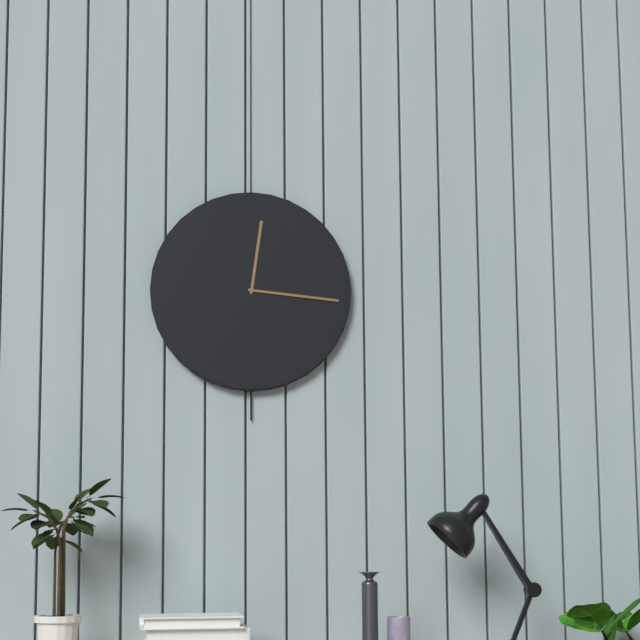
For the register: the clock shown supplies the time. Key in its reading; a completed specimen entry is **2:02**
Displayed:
**12:16**
